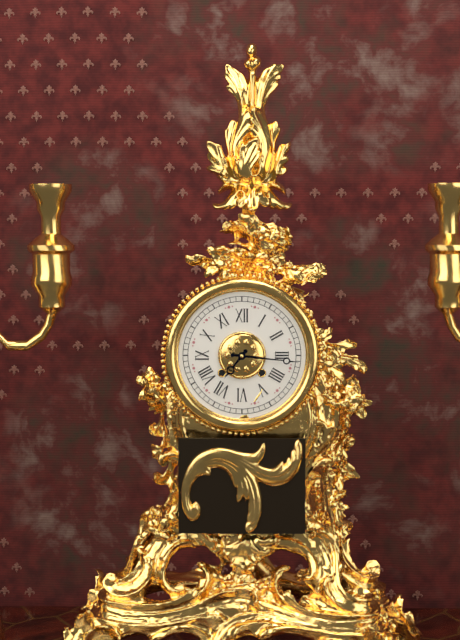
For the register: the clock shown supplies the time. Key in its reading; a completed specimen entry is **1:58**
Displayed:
**7:16**
